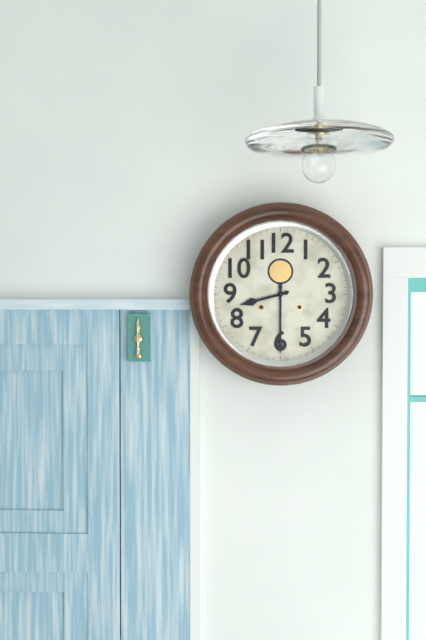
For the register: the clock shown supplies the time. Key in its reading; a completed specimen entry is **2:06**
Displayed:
**8:30**
